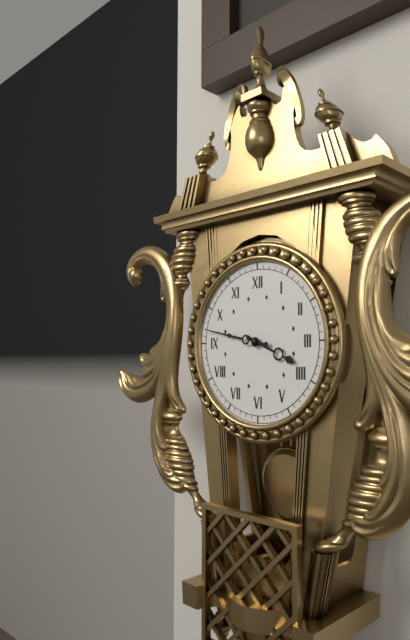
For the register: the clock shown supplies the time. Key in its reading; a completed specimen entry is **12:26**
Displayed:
**3:47**
